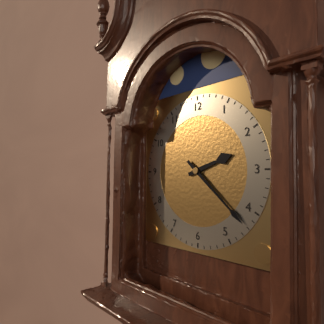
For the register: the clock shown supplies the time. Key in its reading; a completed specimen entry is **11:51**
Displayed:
**2:22**
